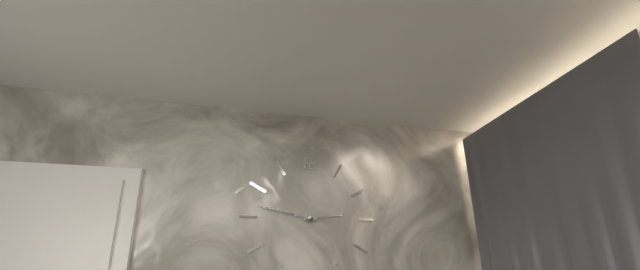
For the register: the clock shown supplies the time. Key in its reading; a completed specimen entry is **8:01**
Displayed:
**2:47**
